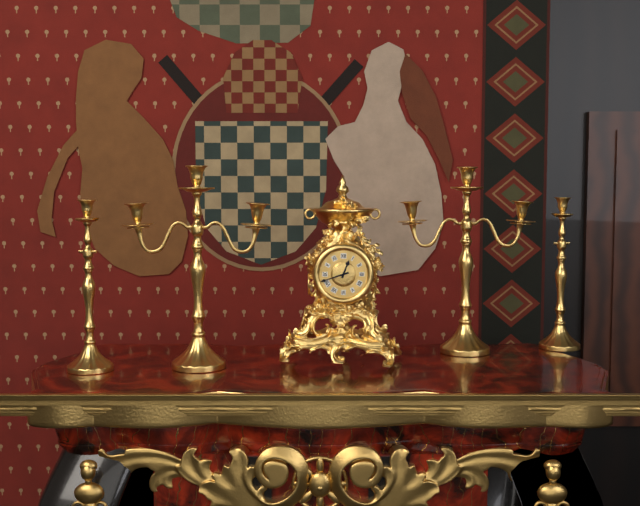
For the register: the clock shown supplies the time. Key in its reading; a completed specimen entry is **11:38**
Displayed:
**12:42**
